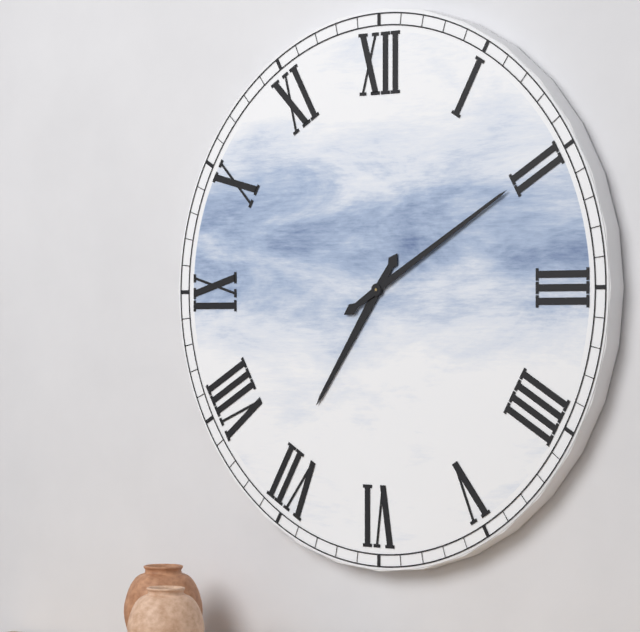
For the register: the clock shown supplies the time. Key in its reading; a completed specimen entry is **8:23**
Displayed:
**7:10**
